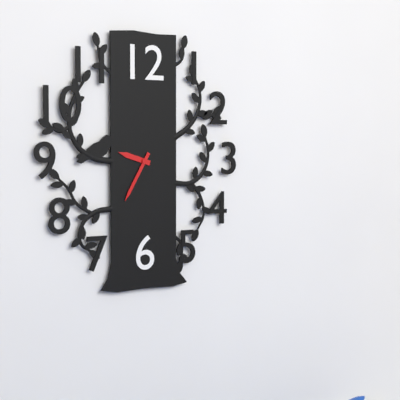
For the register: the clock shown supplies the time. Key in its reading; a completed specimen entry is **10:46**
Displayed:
**9:35**
